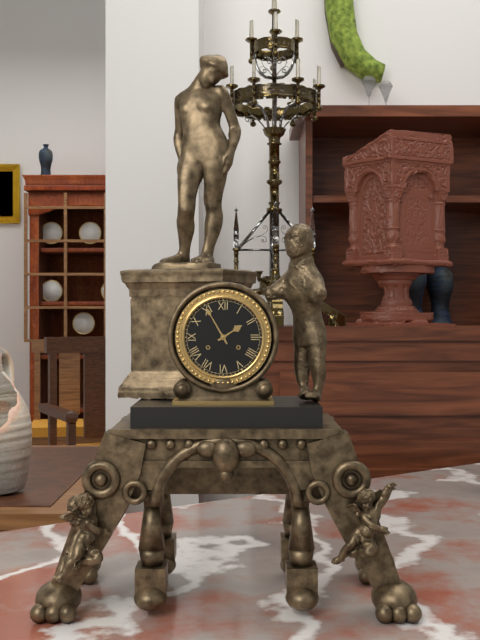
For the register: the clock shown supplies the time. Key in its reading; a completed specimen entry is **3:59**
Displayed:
**1:55**
